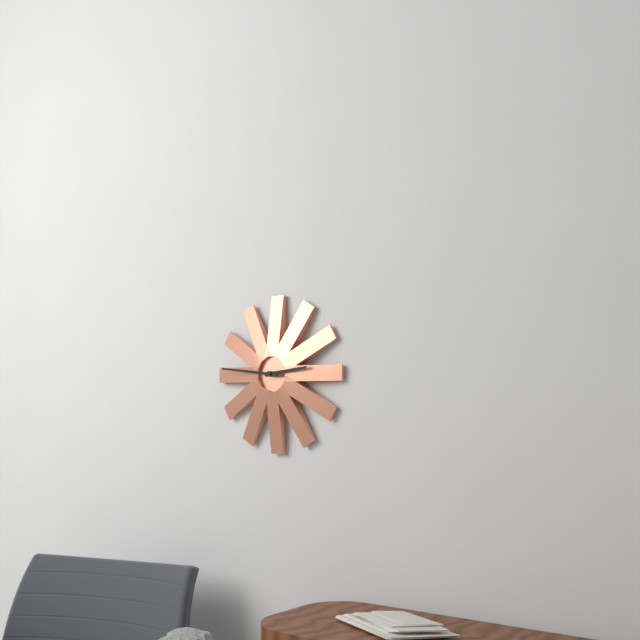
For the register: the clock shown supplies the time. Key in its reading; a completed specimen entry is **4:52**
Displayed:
**2:46**
